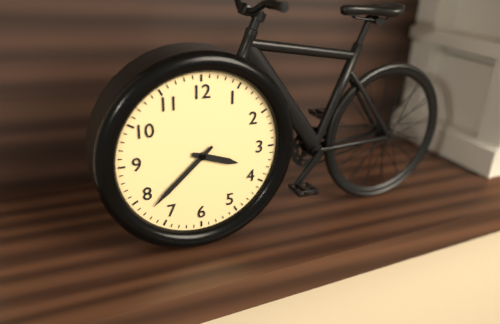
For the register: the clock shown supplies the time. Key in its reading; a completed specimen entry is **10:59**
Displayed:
**3:38**
